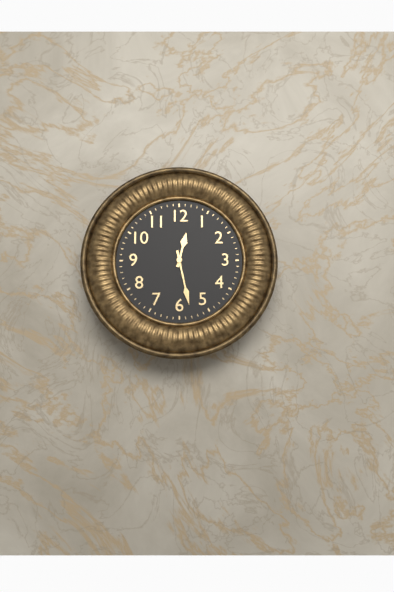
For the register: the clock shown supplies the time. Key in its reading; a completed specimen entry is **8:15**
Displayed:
**12:28**
